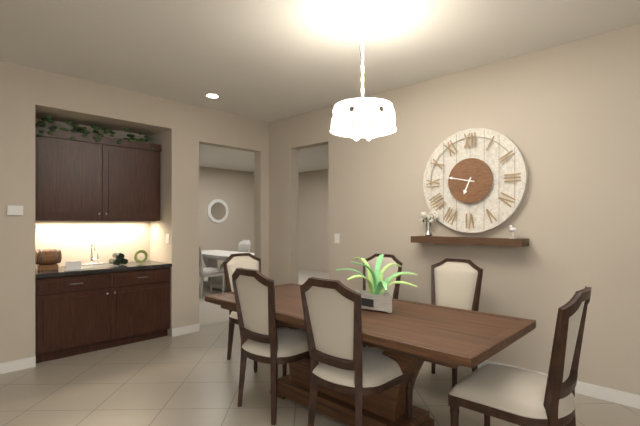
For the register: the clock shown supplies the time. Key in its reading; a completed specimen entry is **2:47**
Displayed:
**6:47**
